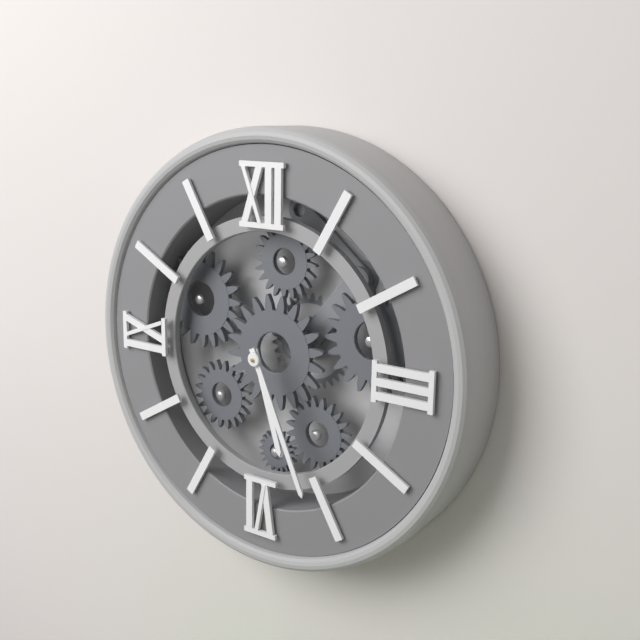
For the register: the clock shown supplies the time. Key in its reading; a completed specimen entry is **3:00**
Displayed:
**5:26**
